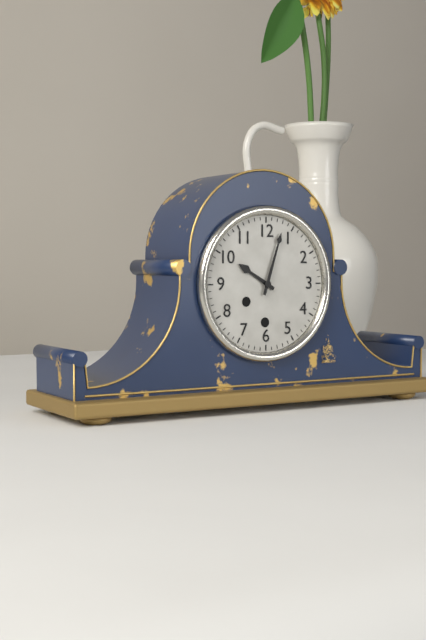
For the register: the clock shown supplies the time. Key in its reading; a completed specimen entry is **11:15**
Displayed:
**10:03**
